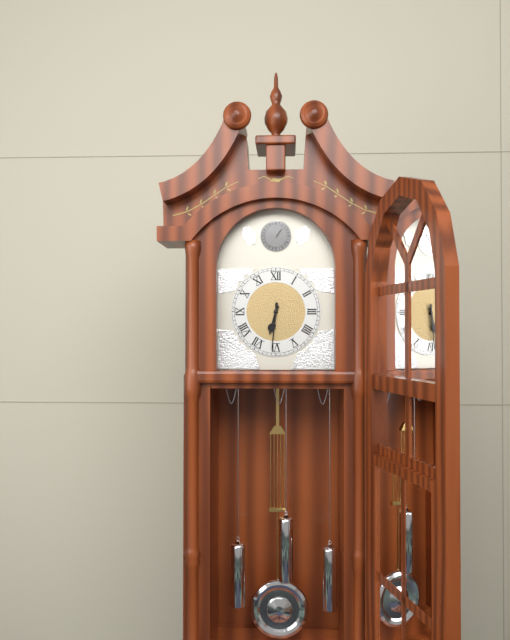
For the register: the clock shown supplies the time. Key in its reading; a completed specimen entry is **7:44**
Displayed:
**6:31**
